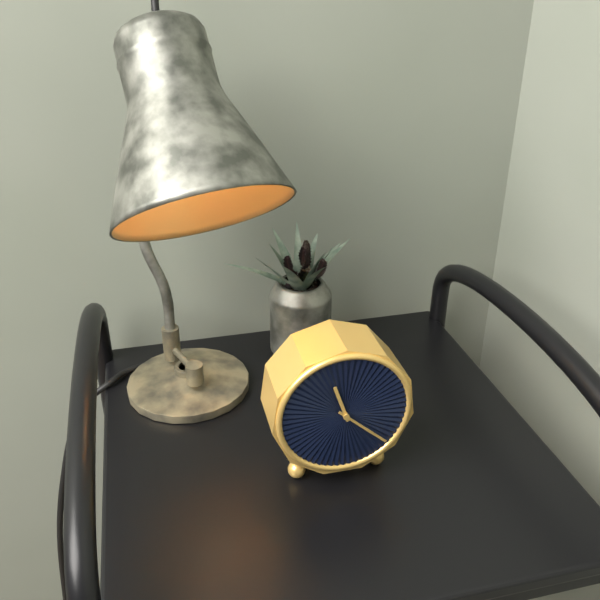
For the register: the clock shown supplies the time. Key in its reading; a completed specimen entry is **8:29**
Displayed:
**11:22**
